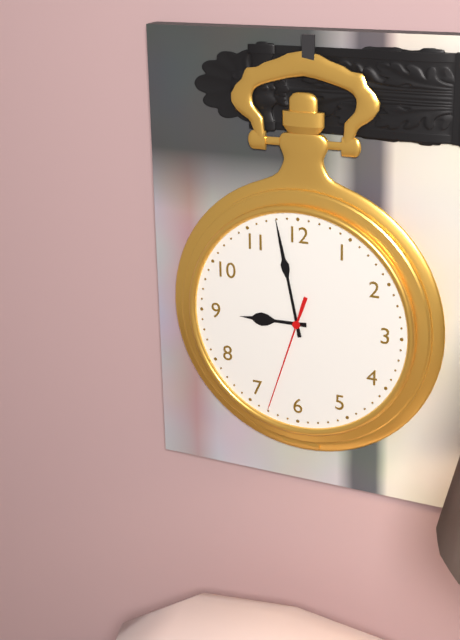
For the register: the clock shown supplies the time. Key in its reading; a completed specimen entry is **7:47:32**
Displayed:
**8:58:33**
